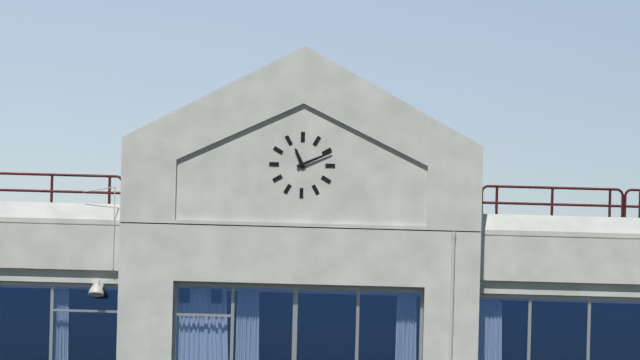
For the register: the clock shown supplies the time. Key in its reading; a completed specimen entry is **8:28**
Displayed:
**11:11**
